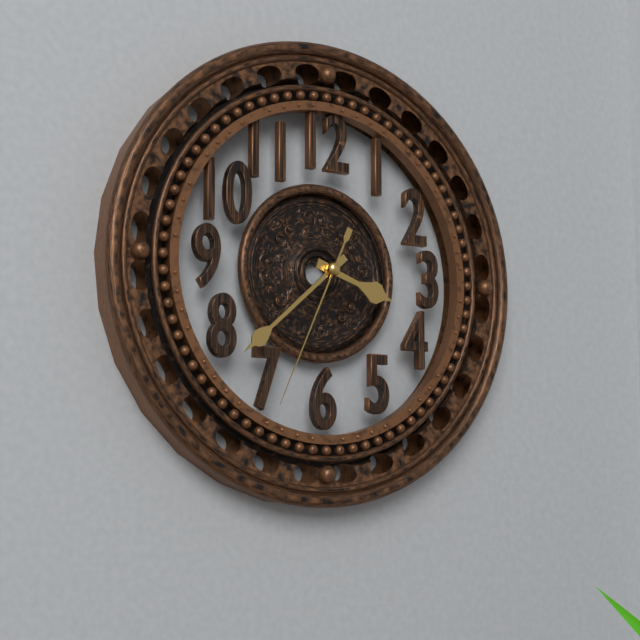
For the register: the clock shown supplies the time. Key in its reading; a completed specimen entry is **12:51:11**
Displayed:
**3:38:34**
